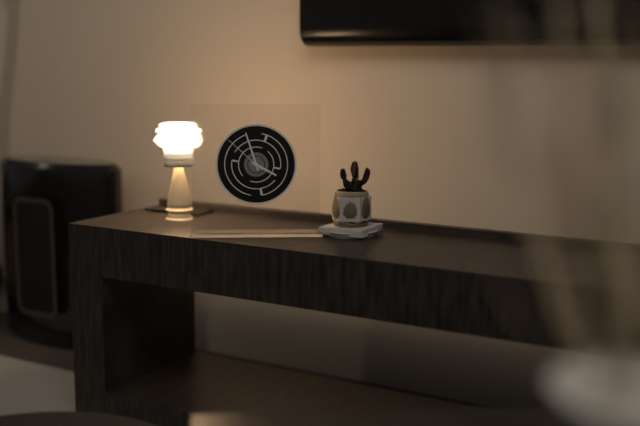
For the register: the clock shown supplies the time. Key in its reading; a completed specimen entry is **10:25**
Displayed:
**3:57**
